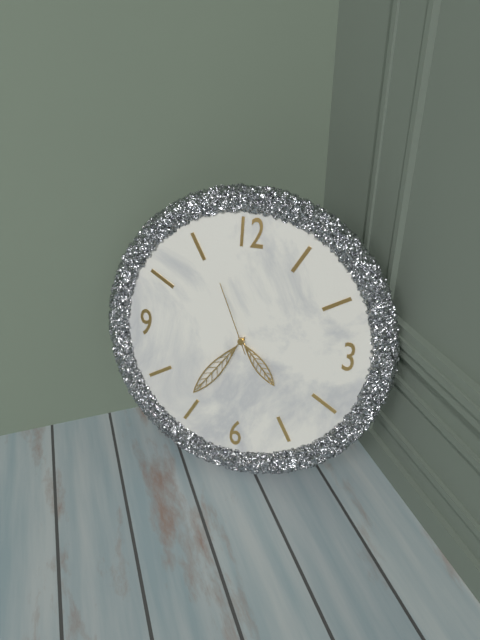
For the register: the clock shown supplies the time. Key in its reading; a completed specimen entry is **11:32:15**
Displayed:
**4:36:56**
